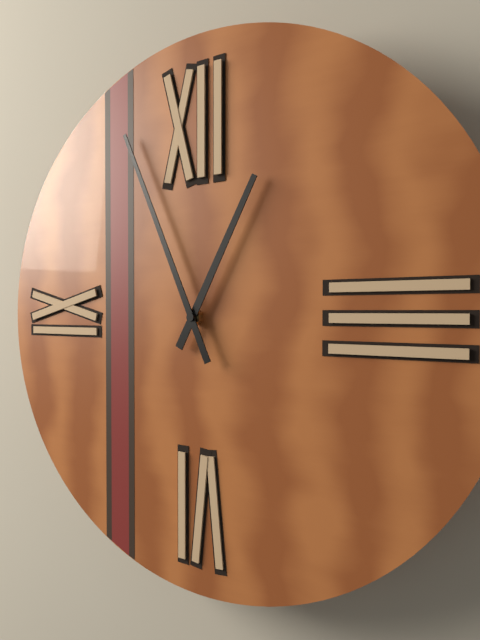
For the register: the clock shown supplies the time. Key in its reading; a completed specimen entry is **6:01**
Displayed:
**12:56**
